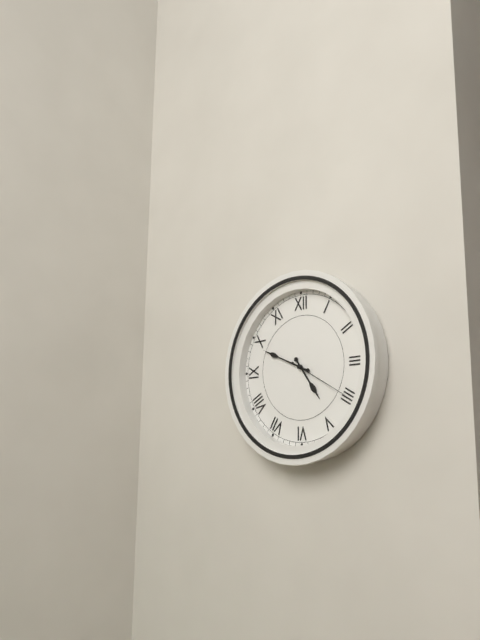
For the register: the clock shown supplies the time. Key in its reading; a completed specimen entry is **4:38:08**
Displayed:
**4:49:20**
